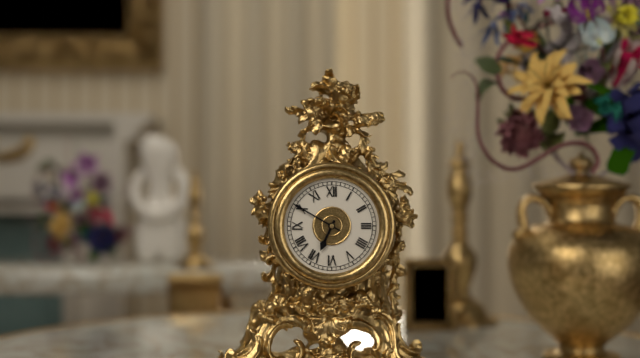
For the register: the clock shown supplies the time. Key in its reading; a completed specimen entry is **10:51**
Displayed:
**6:50**
